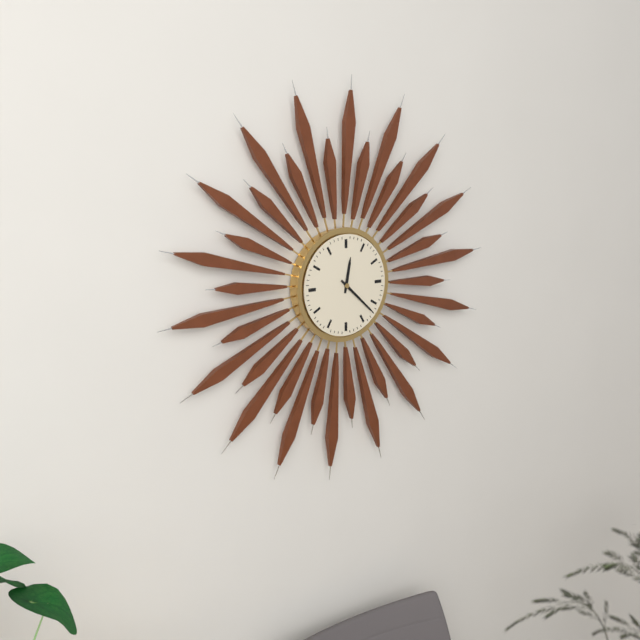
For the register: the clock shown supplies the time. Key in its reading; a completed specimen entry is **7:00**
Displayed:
**12:22**
